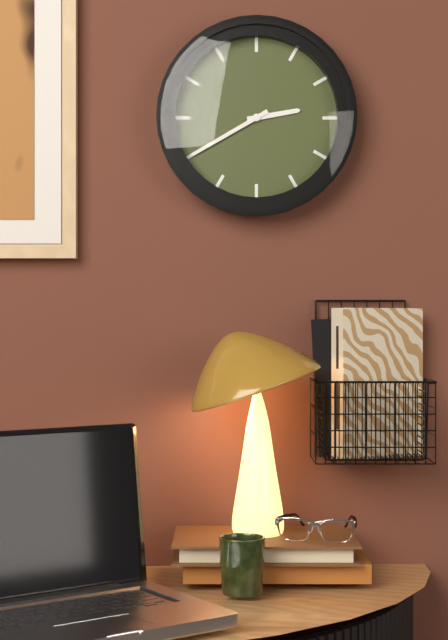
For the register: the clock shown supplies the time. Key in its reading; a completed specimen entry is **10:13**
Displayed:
**2:40**
